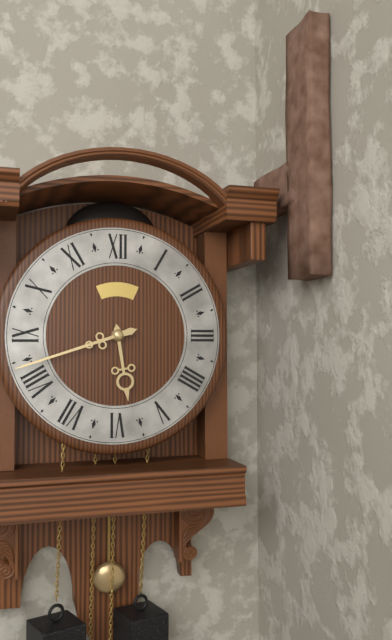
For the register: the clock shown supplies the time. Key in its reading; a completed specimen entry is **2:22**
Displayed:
**5:42**
